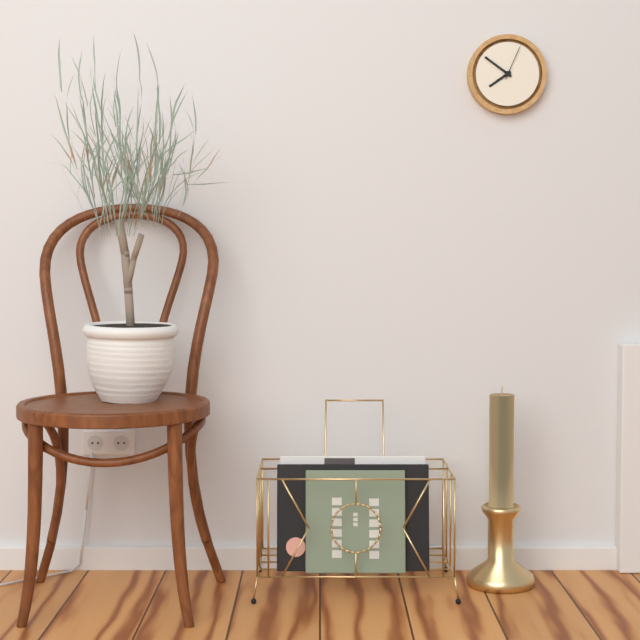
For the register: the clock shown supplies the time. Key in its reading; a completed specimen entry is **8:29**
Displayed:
**7:51**
